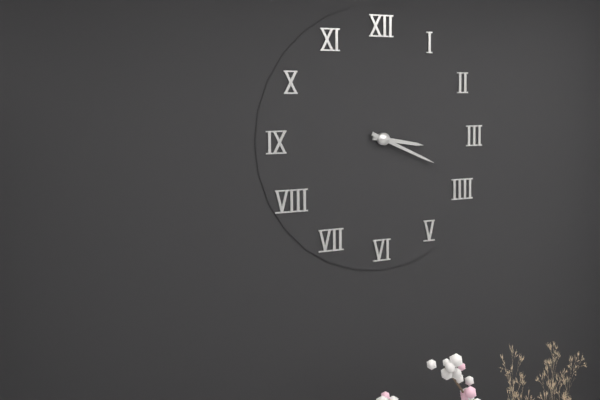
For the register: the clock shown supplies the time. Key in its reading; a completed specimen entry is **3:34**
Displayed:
**3:19**
